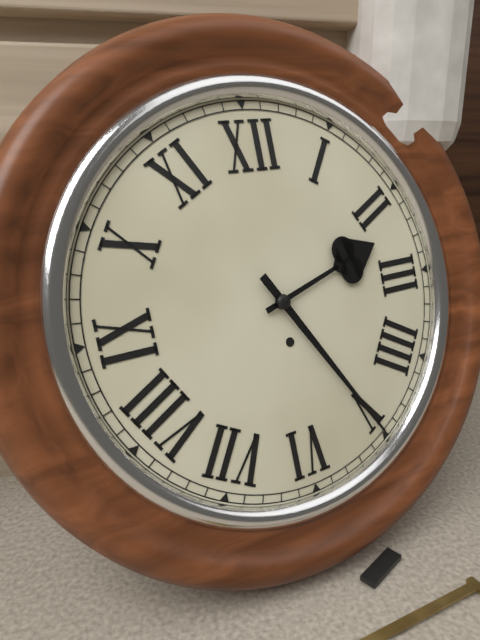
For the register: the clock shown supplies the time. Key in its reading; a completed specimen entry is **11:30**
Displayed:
**2:25**
